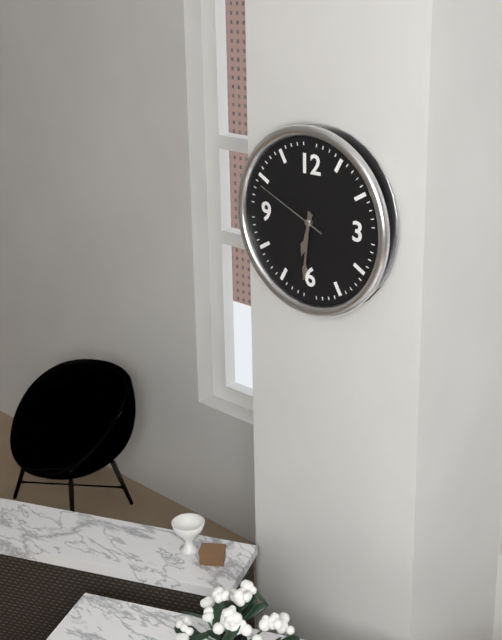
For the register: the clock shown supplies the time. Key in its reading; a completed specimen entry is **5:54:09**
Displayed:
**6:31:49**
